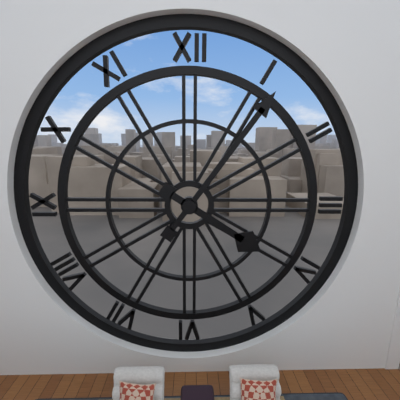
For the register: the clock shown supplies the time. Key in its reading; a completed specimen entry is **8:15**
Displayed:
**4:06**
